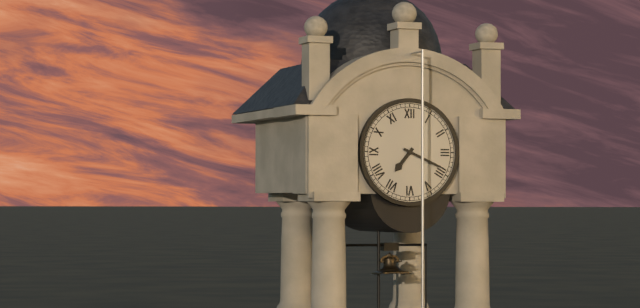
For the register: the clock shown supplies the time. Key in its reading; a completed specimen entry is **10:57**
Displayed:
**7:19**
